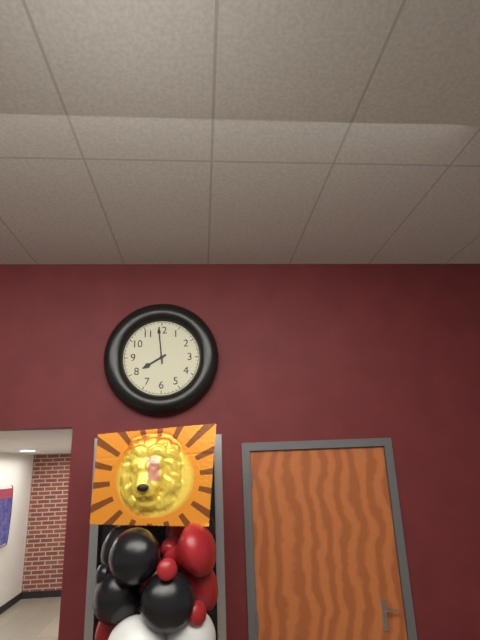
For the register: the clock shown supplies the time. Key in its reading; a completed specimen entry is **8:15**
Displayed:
**7:59**
